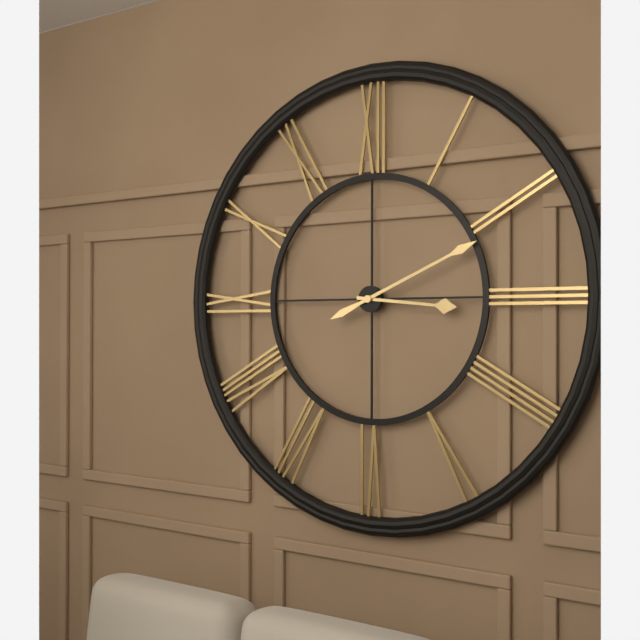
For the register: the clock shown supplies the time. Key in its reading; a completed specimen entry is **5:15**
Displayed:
**3:11**
